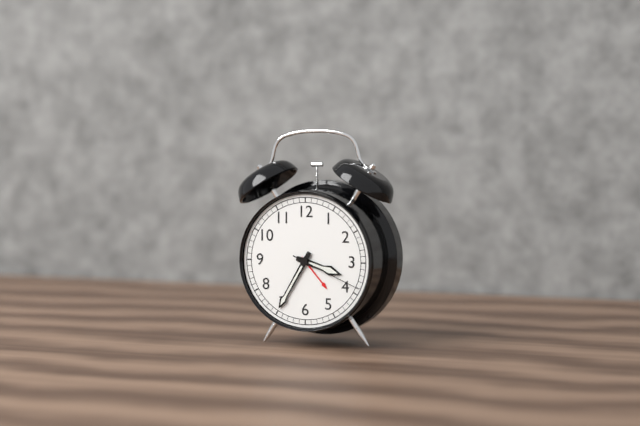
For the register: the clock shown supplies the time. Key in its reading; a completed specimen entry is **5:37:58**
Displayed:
**3:35:19**
